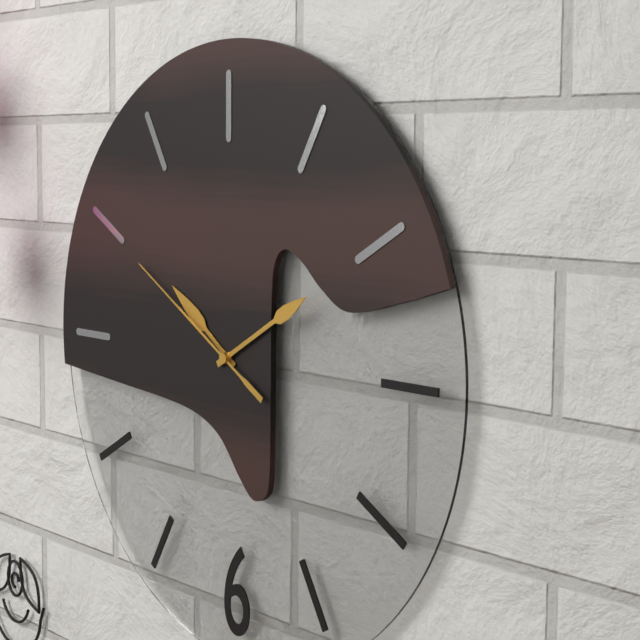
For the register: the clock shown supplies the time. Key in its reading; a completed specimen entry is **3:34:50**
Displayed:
**10:10:50**
